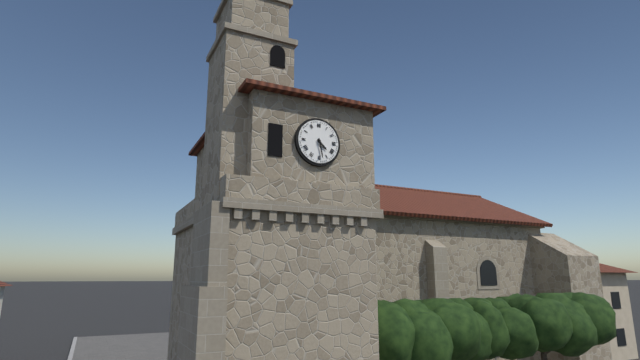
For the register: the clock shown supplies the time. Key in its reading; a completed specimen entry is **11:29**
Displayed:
**4:28**
